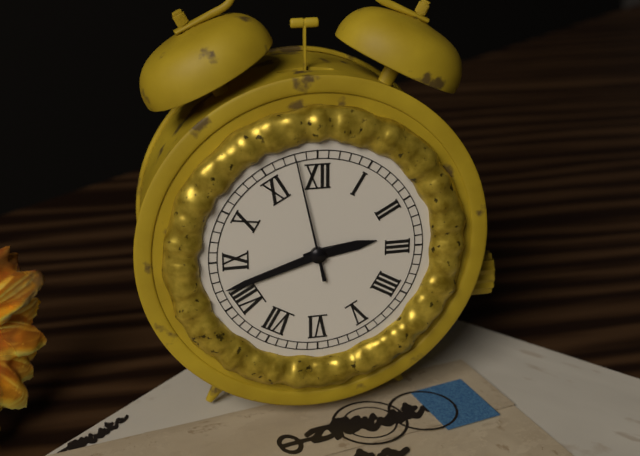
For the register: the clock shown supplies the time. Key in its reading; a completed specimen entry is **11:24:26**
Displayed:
**2:42:58**
